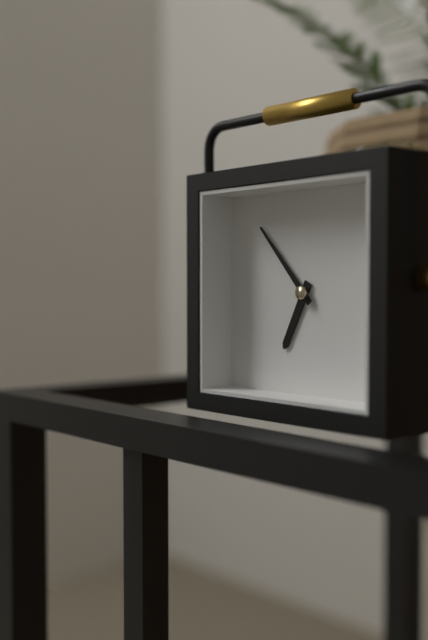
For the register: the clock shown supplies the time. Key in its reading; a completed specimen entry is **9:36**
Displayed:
**6:53**
